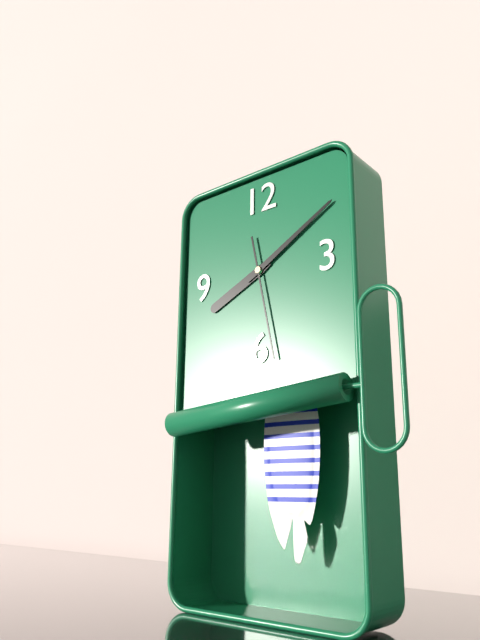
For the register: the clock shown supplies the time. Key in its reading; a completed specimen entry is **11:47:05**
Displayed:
**8:10:28**
